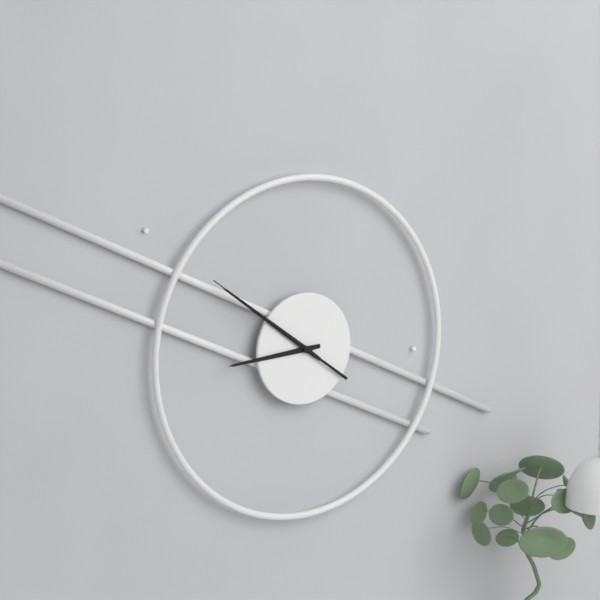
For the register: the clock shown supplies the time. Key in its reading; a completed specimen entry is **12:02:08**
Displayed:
**8:51:51**
